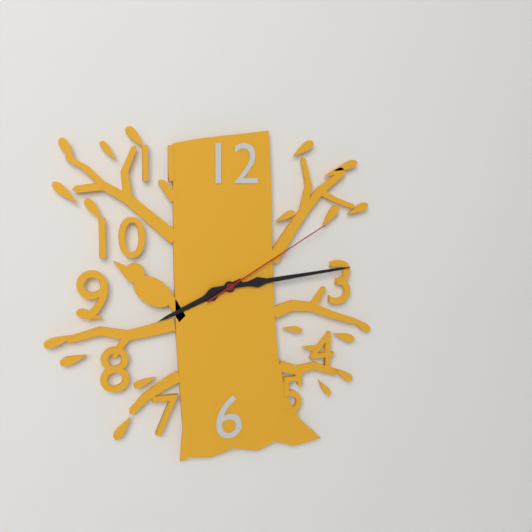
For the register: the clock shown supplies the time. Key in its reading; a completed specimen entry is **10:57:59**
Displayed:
**8:14:10**
